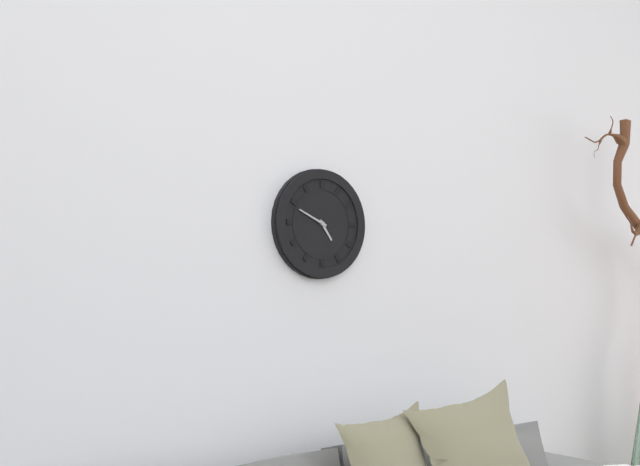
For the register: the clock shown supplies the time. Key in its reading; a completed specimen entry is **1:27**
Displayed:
**4:49**
